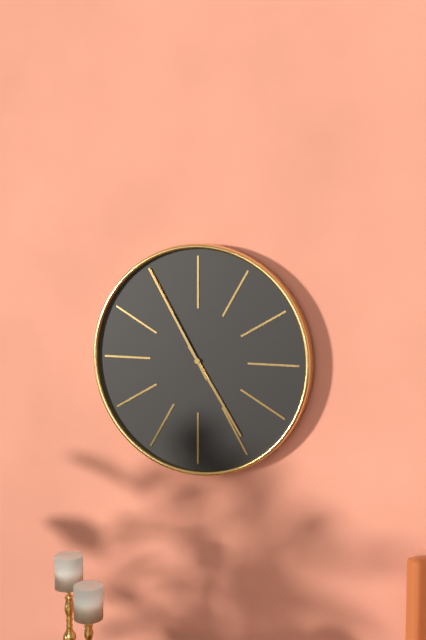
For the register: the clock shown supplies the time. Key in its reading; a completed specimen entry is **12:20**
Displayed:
**4:55**
